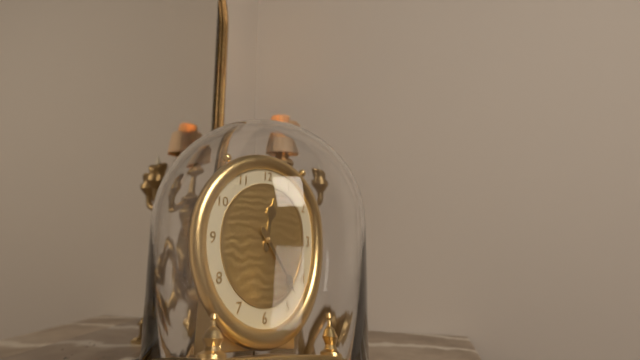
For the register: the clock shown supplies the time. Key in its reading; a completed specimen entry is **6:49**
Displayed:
**12:23**
